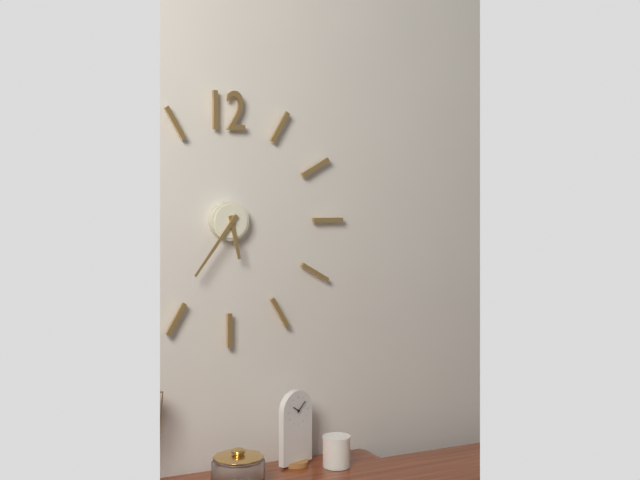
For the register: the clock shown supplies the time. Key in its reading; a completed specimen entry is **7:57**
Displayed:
**5:36**
